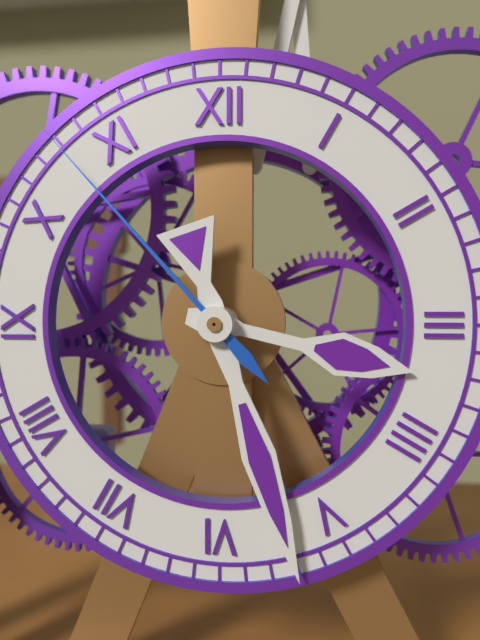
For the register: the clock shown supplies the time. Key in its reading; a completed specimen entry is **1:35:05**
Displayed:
**3:27:53**
